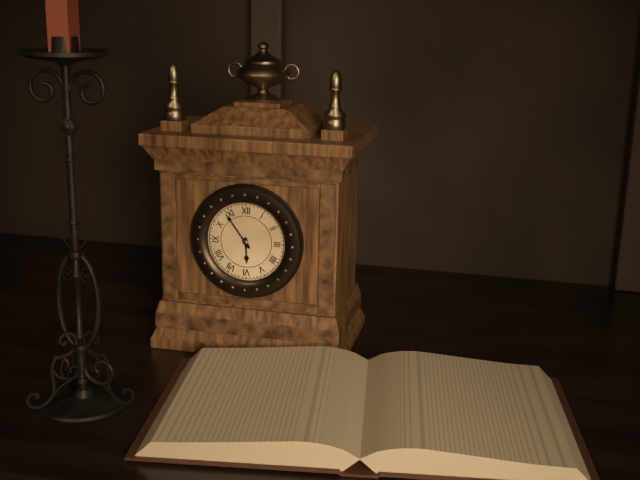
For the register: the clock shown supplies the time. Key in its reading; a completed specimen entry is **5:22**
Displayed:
**5:54**
